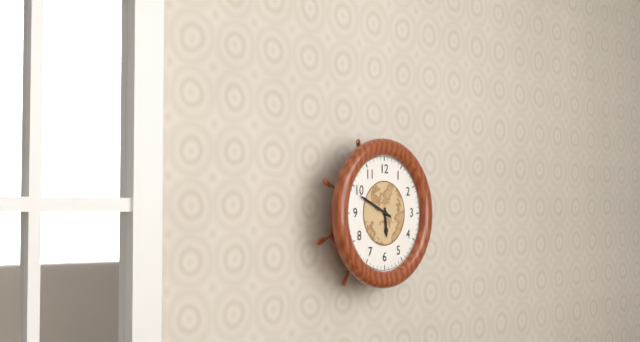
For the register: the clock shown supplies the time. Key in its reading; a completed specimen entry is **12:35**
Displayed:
**5:49**
